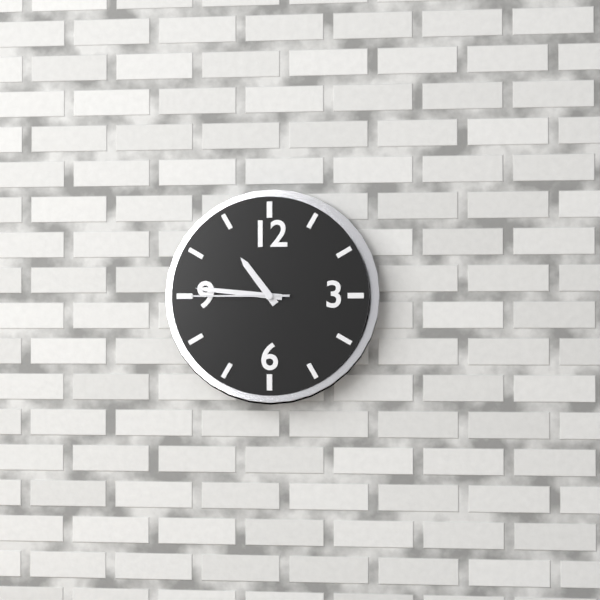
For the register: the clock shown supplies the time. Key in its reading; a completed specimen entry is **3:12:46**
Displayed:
**10:46:45**
